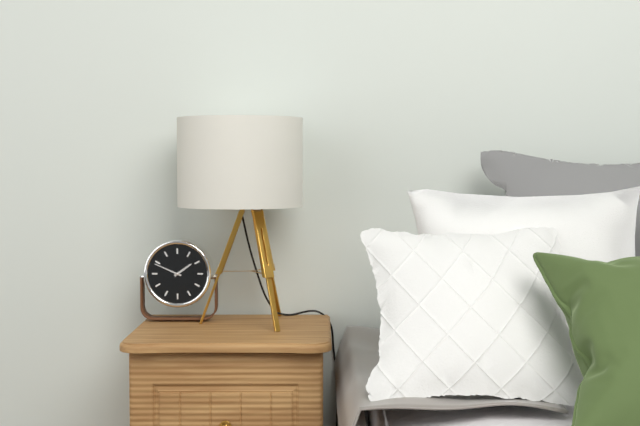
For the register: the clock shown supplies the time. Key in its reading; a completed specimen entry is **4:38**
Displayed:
**1:49**
